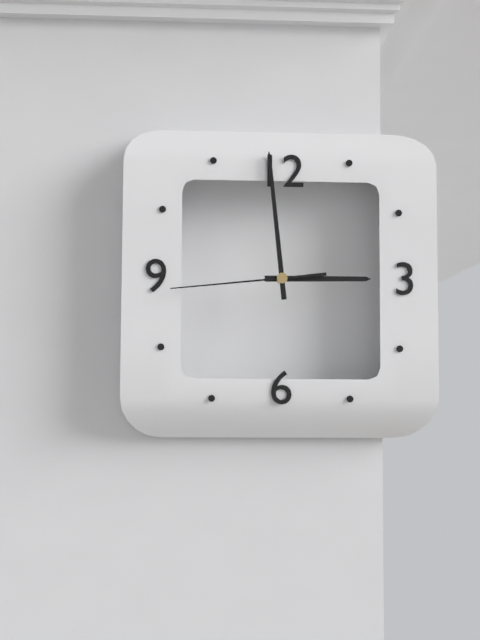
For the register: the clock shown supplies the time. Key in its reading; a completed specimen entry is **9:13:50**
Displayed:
**2:59:44**
